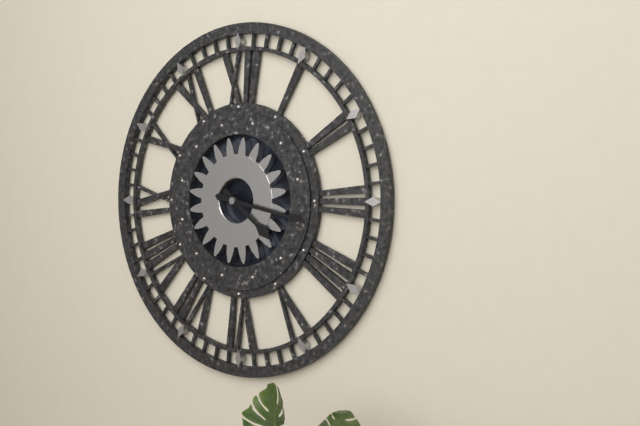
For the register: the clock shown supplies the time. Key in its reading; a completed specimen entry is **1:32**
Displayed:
**4:17**
